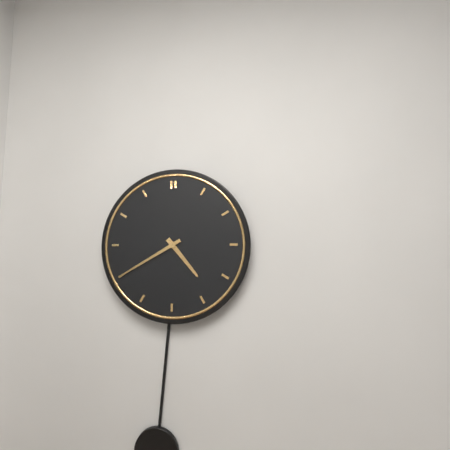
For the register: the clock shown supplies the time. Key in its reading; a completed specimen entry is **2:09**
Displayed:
**4:40**
